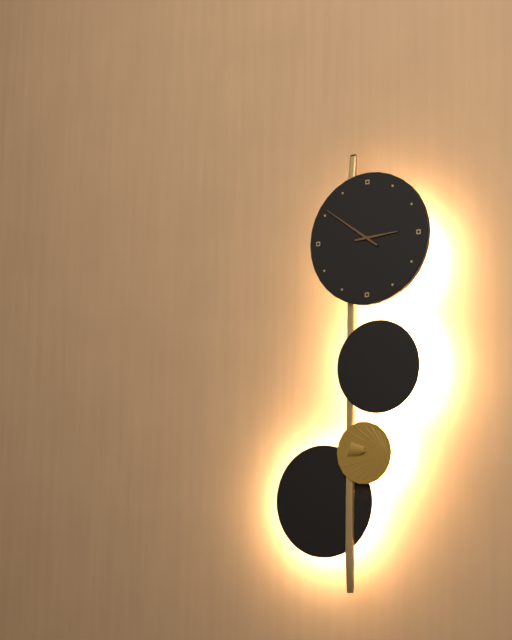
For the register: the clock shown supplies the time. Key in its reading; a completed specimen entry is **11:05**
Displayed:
**2:51**
